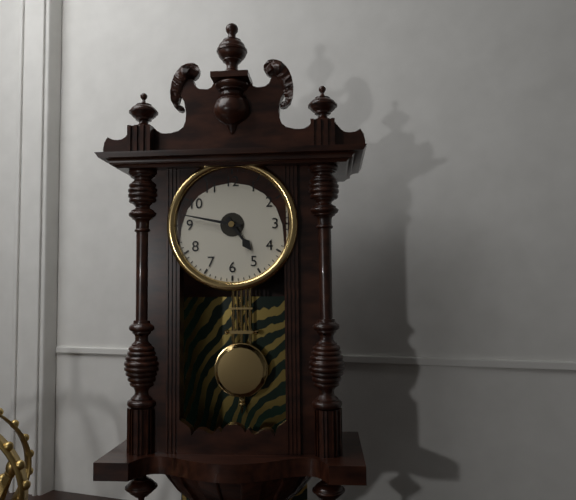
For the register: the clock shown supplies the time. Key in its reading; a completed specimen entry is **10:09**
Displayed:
**4:47**
